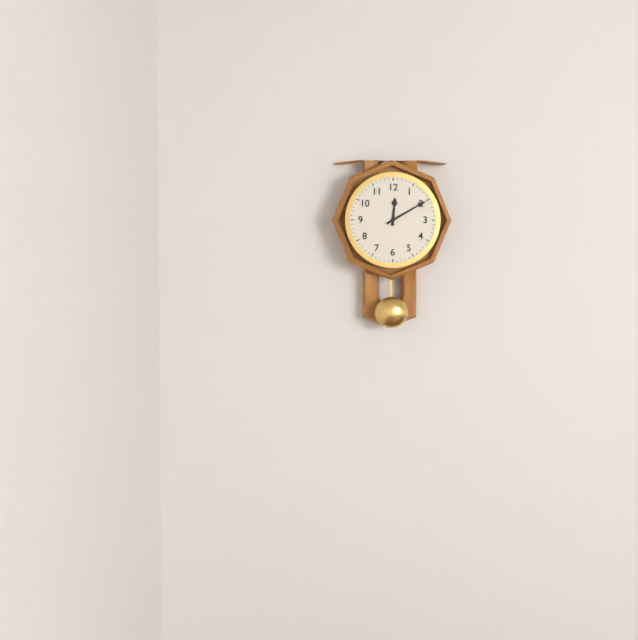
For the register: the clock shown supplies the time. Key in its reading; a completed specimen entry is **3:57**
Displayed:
**12:10**
